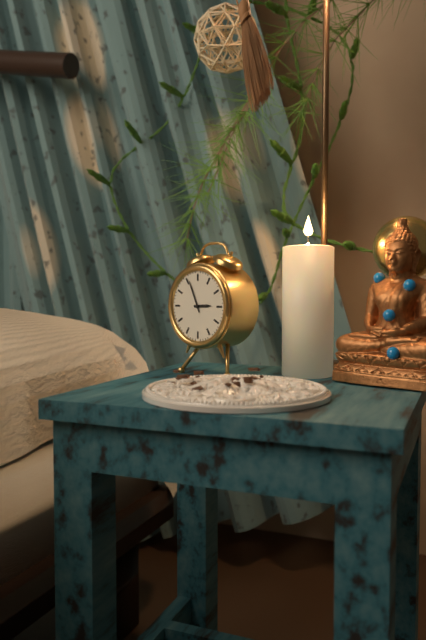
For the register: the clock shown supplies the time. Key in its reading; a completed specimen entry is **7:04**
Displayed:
**2:56**
